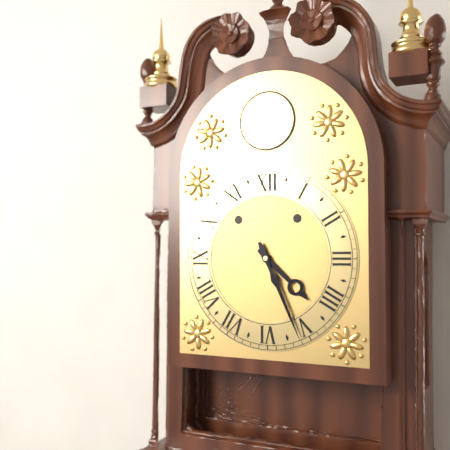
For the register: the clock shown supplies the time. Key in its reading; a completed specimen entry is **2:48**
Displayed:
**4:26**
